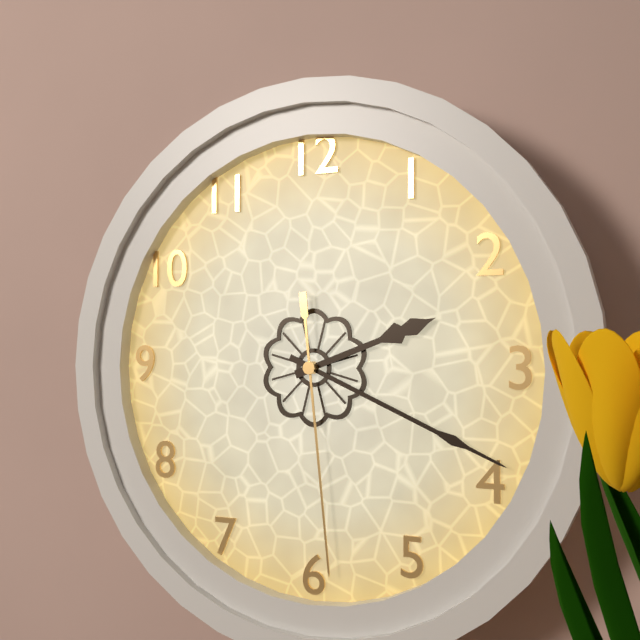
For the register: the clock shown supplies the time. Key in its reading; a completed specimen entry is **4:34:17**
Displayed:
**2:19:29**
